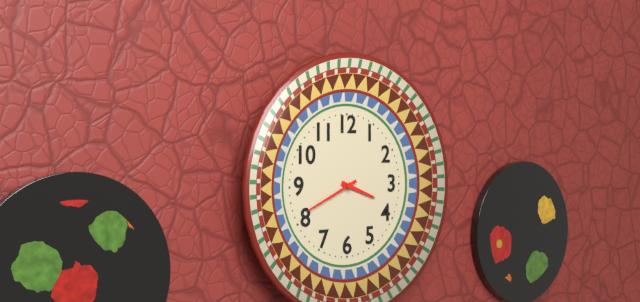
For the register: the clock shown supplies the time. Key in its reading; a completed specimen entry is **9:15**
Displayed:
**3:41**
